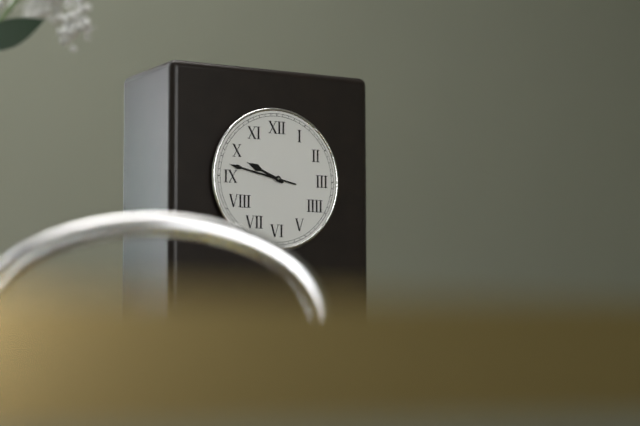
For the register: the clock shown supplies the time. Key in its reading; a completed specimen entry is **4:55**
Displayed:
**9:47**
